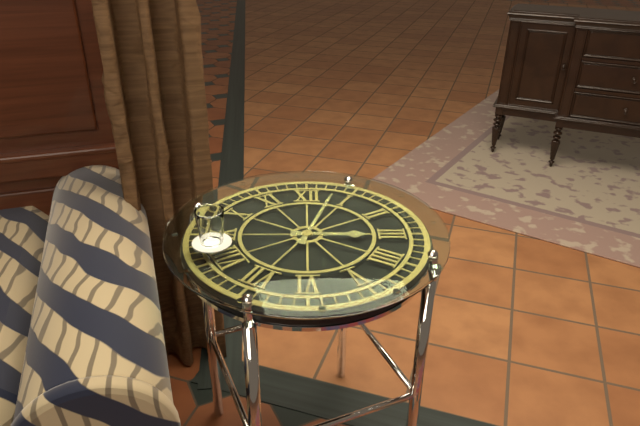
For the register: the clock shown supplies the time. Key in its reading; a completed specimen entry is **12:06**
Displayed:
**3:03**
